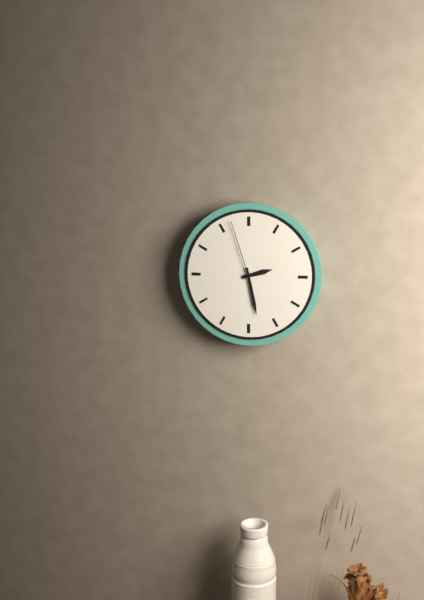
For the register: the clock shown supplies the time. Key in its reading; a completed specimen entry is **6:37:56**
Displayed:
**2:28:57**
